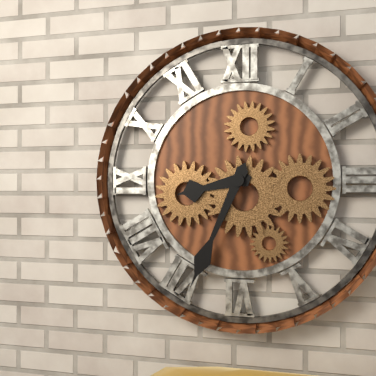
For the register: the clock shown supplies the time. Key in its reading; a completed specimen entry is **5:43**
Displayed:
**8:34**
